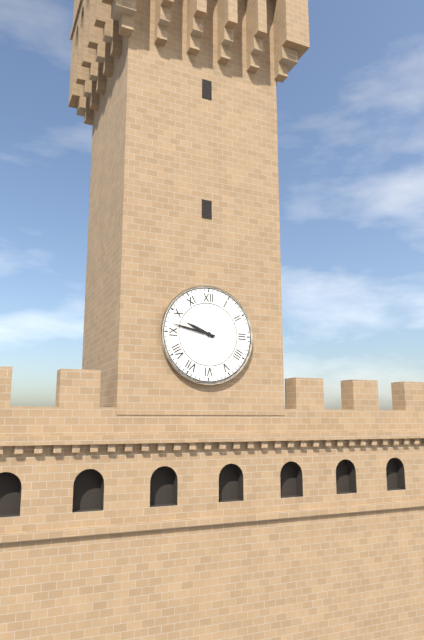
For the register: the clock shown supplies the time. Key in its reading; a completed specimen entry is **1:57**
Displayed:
**9:47**
